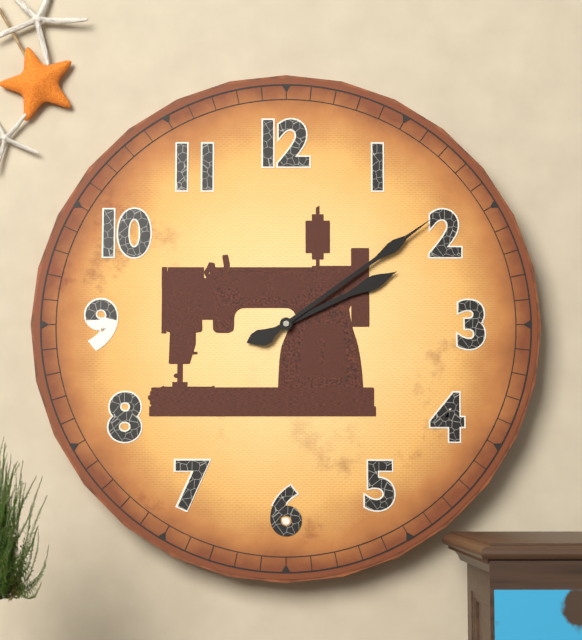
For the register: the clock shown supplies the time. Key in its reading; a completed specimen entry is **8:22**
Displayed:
**2:09**
